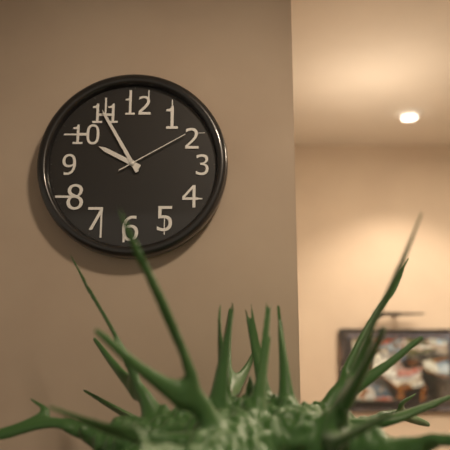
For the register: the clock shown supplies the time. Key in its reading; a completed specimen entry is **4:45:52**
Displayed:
**9:55:10**
